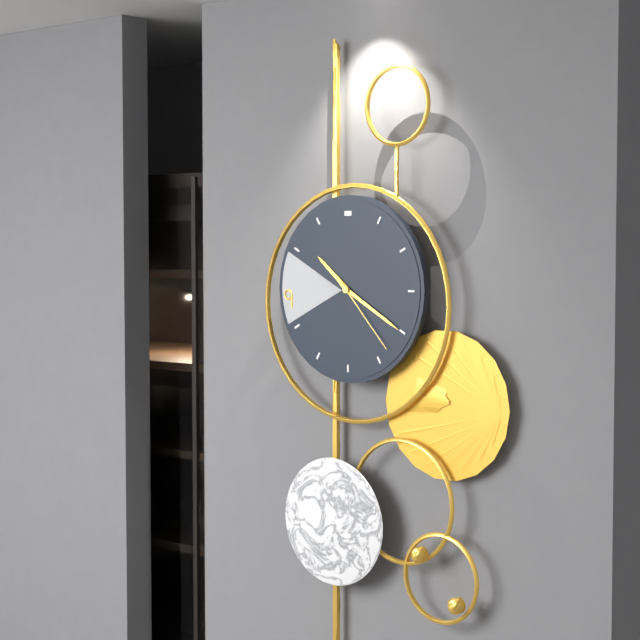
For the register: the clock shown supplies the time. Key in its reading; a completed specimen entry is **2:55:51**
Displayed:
**10:20:23**
